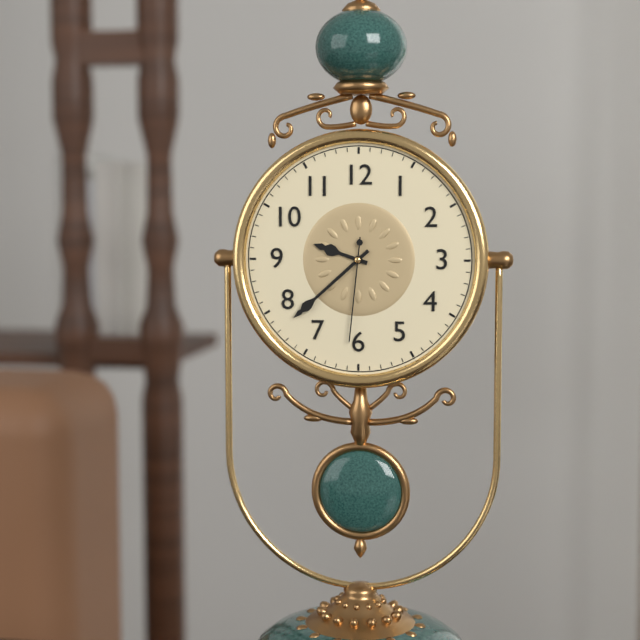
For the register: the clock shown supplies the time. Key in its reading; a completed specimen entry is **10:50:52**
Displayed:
**9:38:31**
